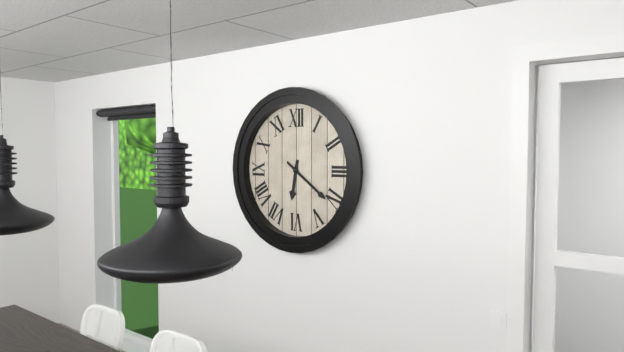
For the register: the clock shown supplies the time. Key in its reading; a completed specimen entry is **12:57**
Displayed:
**6:21**
